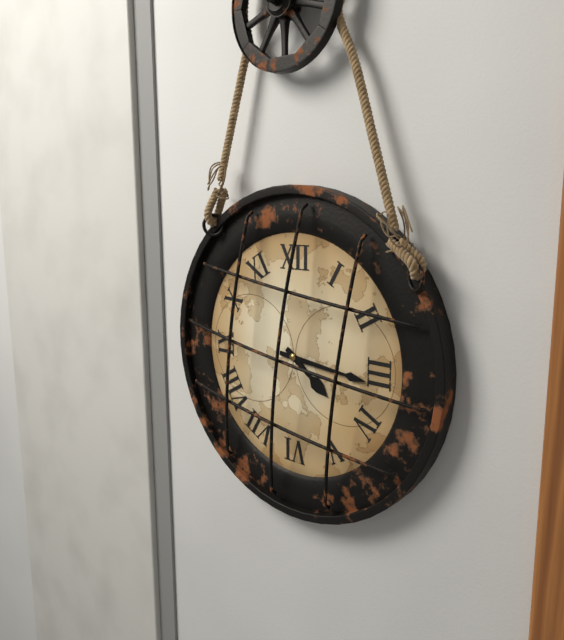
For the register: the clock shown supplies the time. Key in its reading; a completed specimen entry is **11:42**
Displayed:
**4:16**
